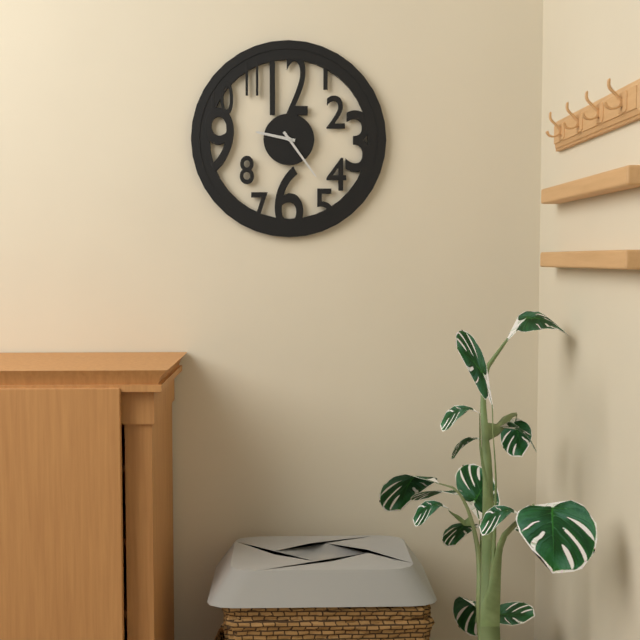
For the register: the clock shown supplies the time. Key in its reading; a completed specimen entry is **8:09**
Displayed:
**9:24**
